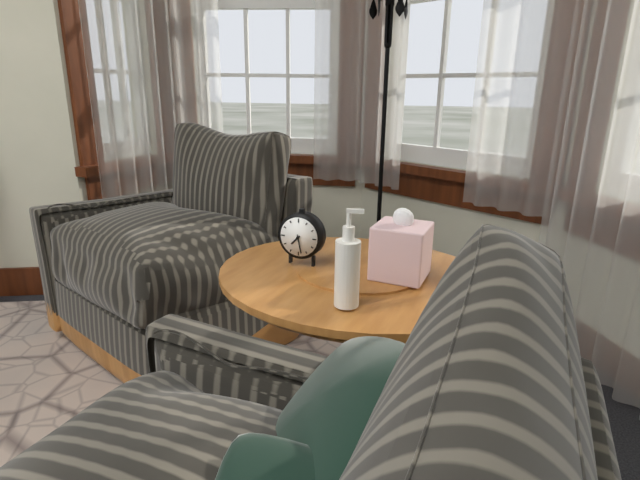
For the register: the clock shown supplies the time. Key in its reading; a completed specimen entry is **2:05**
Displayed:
**7:28**
